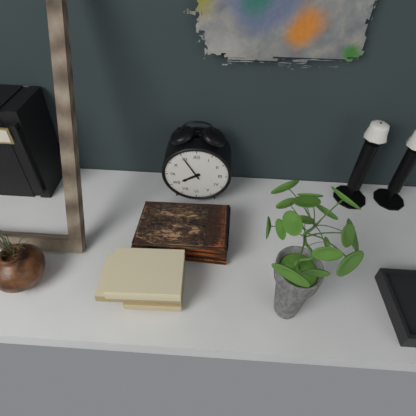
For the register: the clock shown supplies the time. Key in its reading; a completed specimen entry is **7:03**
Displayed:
**7:55**
